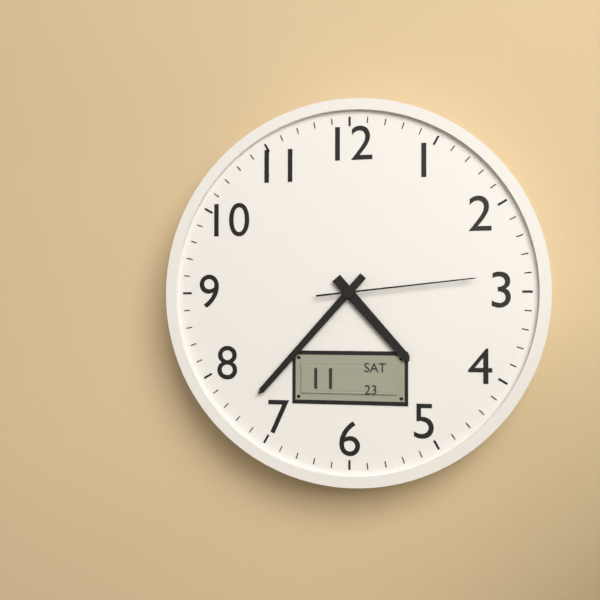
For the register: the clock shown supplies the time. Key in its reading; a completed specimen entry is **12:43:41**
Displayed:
**4:37:14**
